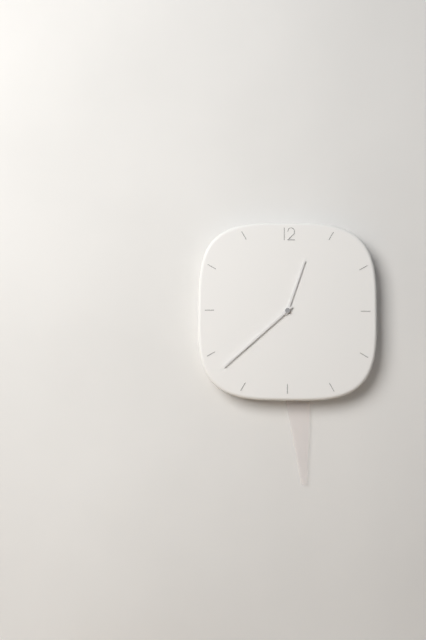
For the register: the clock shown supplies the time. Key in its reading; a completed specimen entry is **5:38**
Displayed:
**12:38**
